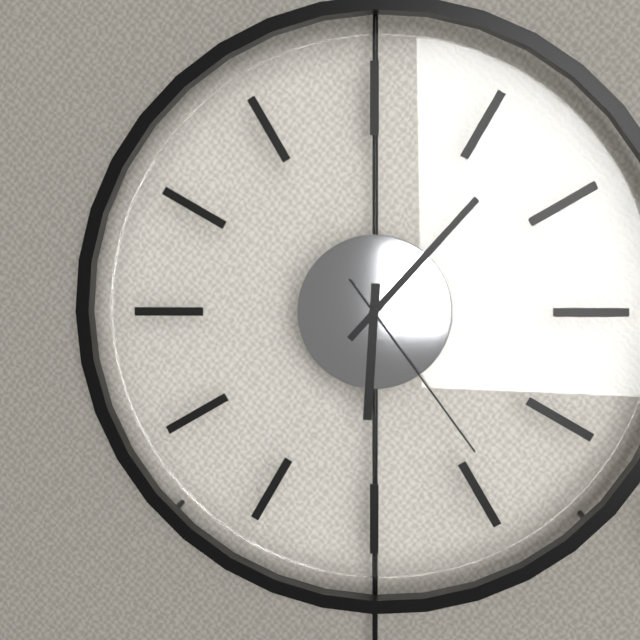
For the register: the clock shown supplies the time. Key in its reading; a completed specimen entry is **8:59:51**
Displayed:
**6:07:24**
